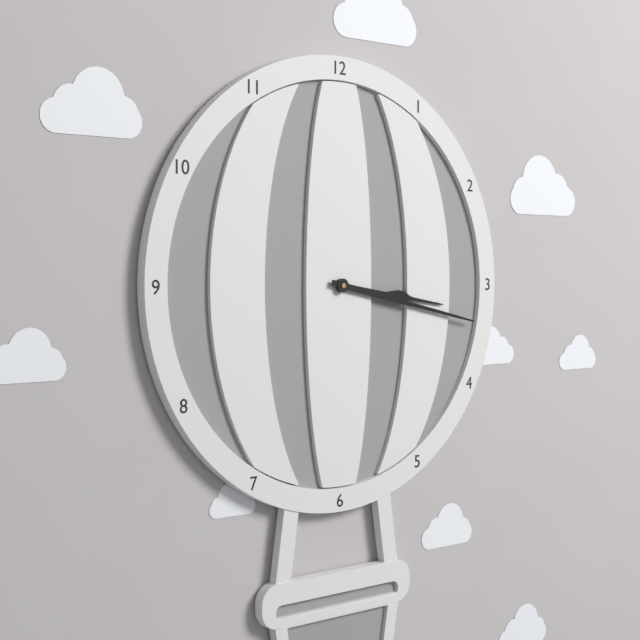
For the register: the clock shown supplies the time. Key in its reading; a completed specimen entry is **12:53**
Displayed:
**3:17**
